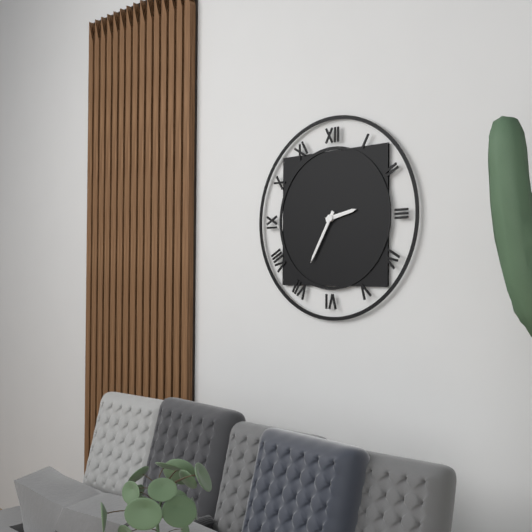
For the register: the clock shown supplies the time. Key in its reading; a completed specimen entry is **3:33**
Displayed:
**2:35**
